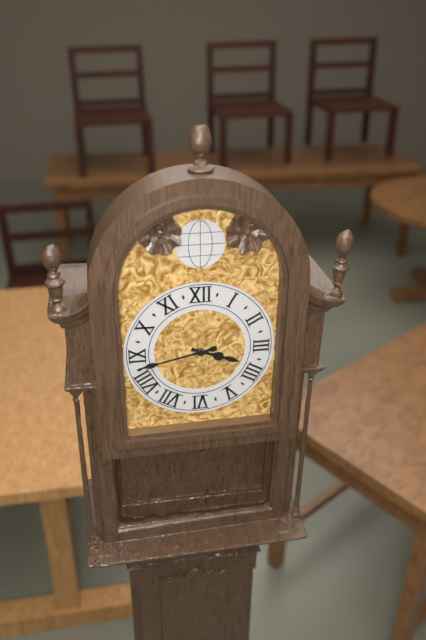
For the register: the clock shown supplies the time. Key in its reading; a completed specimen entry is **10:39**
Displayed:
**3:43**
